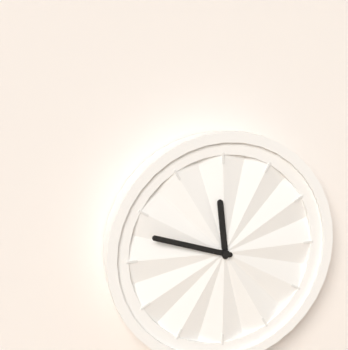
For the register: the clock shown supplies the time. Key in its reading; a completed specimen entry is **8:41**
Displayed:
**11:48**
